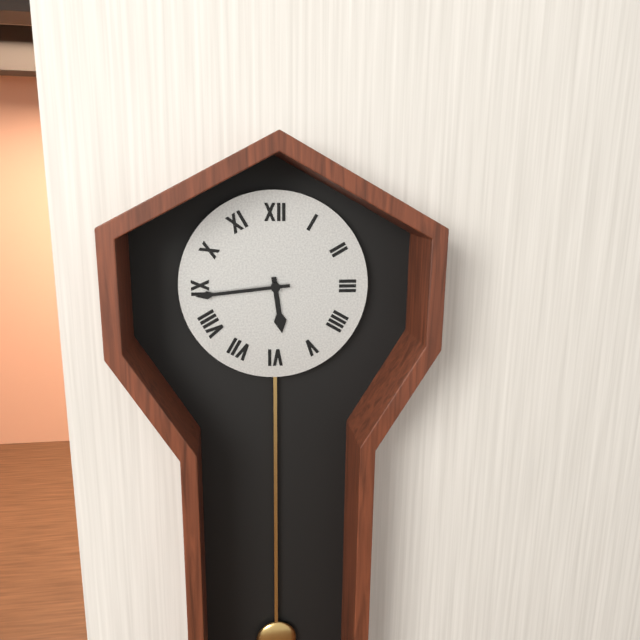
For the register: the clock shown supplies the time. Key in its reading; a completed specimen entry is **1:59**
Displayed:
**5:44**
